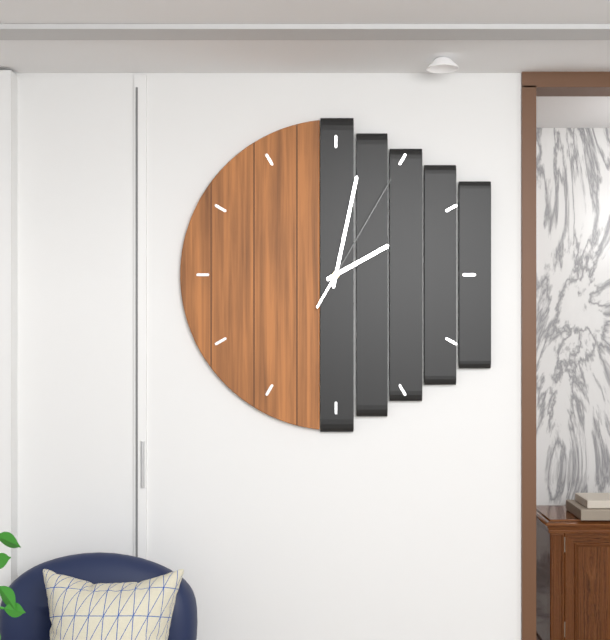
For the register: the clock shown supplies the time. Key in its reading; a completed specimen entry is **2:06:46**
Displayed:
**2:02:05**
